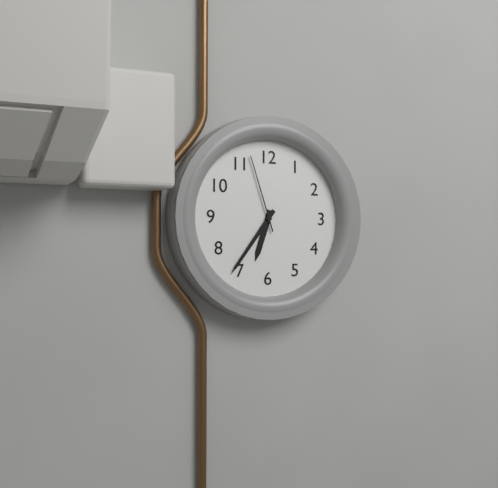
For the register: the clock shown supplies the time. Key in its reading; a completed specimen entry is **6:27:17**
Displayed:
**6:36:57**
